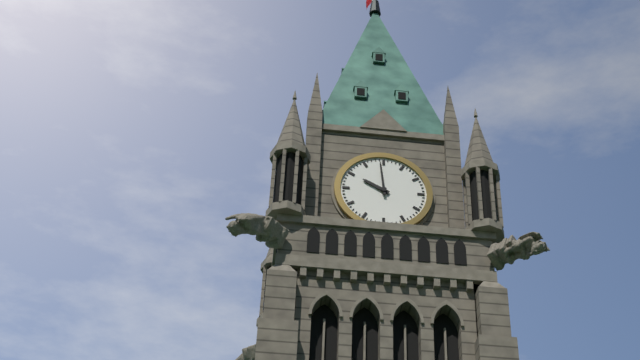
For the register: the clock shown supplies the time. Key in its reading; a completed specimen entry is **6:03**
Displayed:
**9:59**
